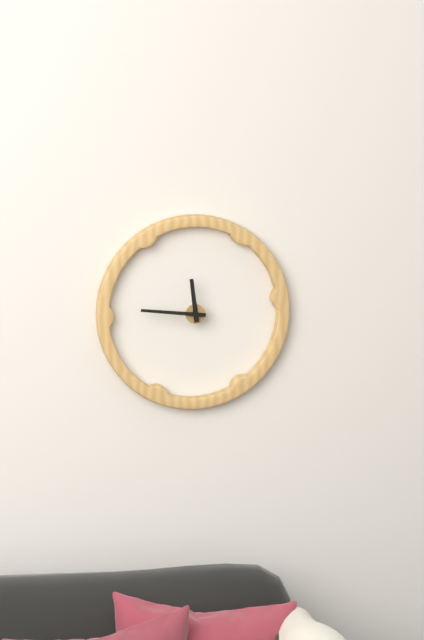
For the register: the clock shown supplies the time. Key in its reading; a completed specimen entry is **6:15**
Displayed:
**11:46**
